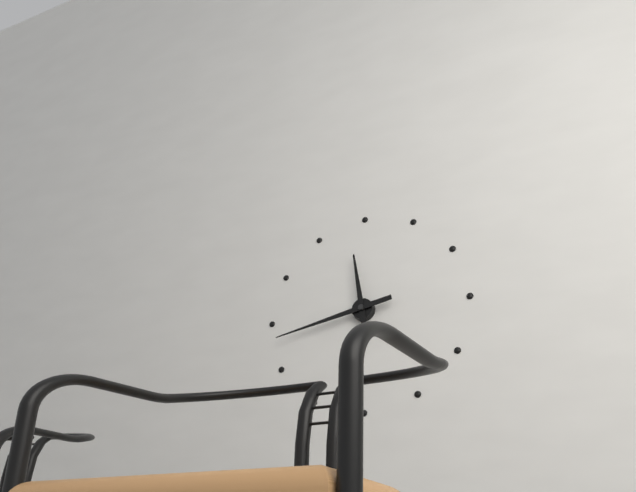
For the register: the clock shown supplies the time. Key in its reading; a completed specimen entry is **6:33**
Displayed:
**11:43**
